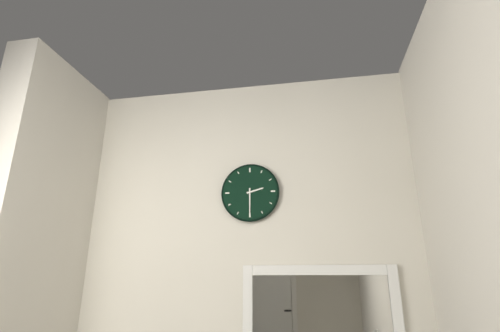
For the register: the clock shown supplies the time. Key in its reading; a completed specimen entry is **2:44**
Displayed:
**2:30**
